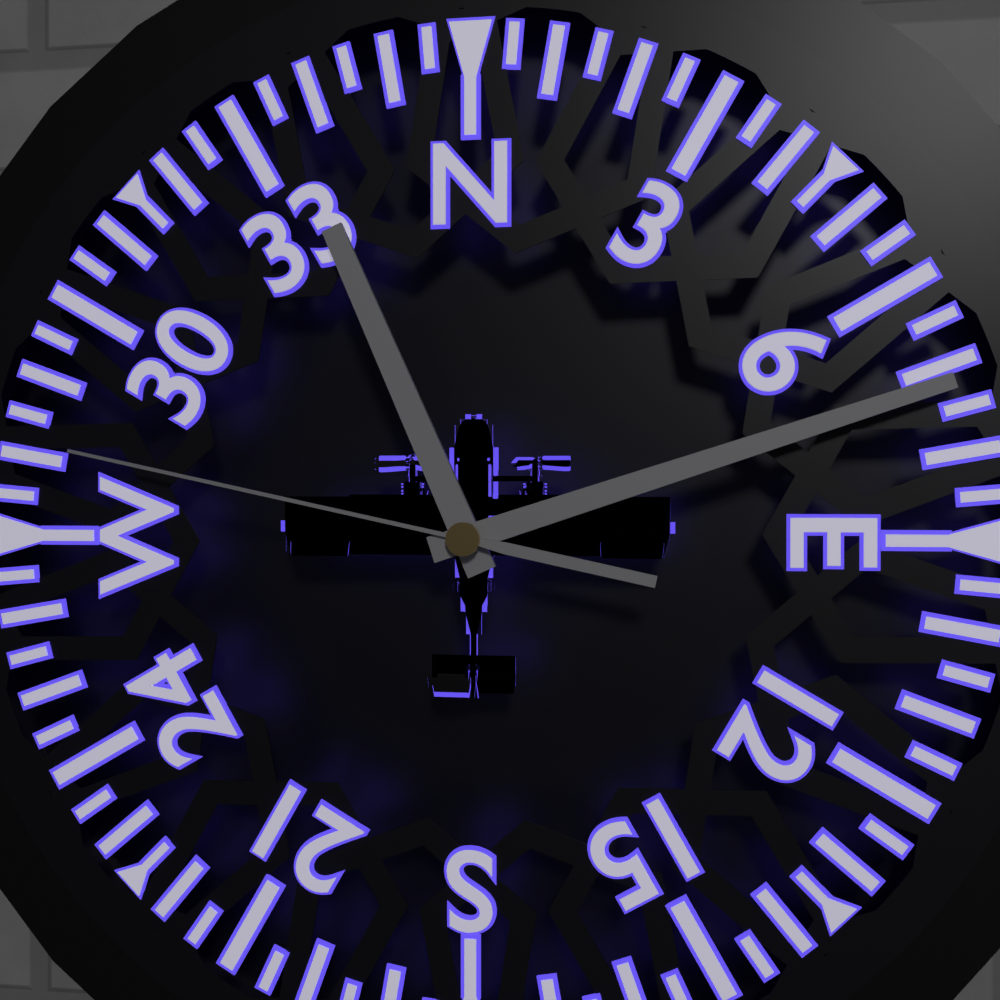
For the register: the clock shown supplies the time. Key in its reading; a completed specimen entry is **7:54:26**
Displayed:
**11:12:47**
